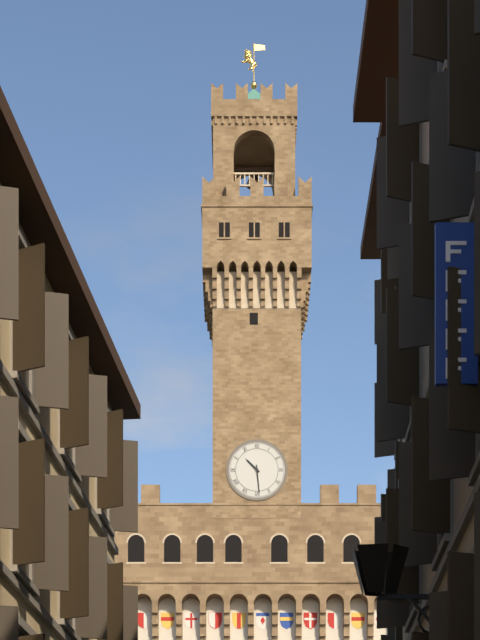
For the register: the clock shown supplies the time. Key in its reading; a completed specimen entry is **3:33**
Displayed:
**10:29**
